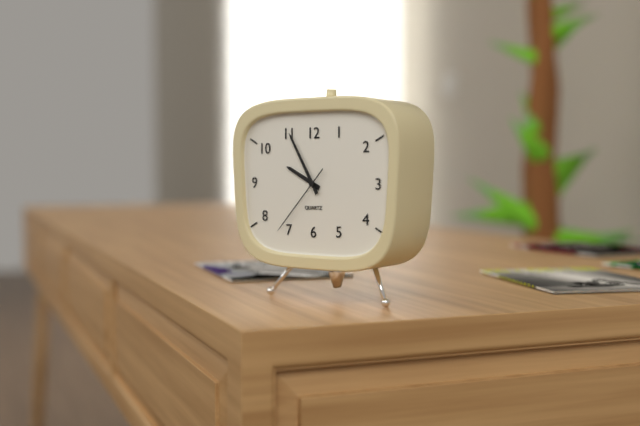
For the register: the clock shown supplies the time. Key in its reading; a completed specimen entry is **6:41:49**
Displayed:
**9:55:37**
